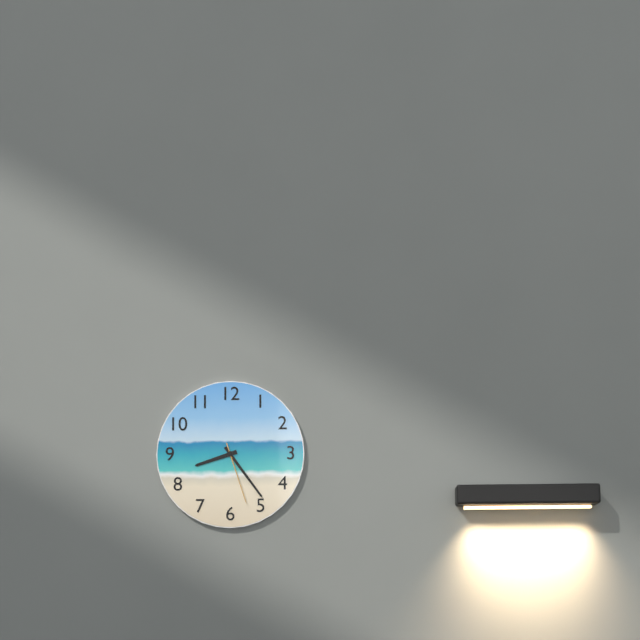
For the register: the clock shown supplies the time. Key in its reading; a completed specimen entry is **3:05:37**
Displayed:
**8:24:27**
